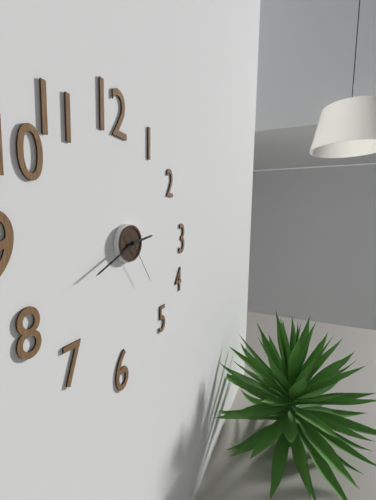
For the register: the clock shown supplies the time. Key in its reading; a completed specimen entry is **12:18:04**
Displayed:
**2:41:24**
